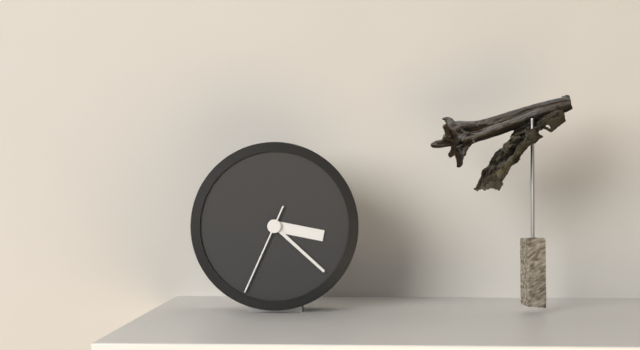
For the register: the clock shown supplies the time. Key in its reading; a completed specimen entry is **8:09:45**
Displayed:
**3:22:34**
